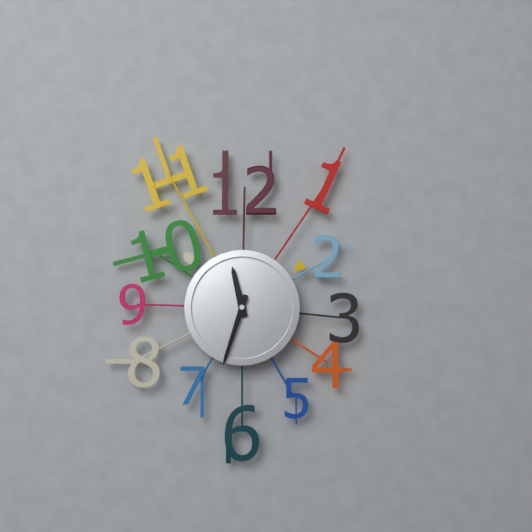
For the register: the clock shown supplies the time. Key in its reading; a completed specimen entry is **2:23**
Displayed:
**11:33**
